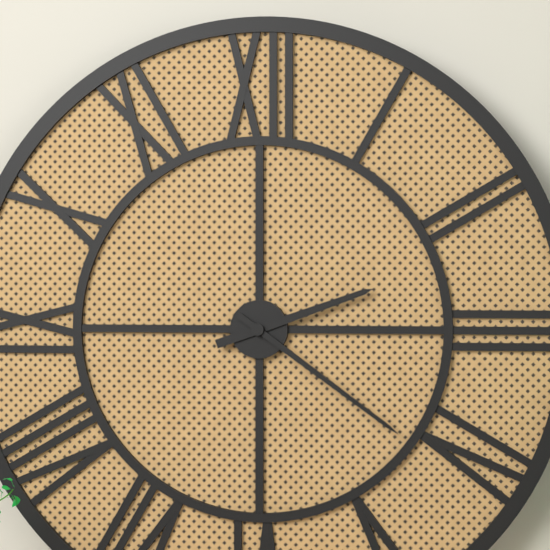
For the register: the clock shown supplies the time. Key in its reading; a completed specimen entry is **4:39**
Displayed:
**2:21**
